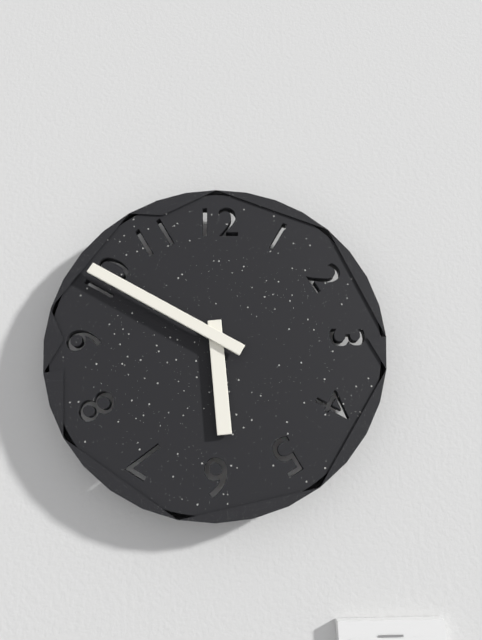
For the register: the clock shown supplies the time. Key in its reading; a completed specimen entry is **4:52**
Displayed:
**5:50**
